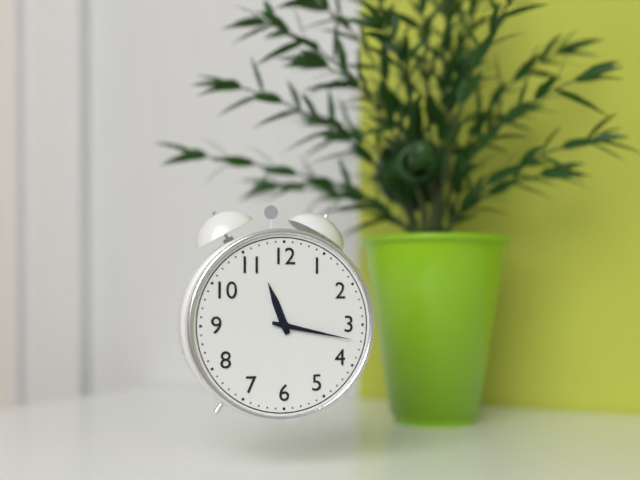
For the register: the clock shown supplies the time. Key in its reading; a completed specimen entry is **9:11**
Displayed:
**11:17**
